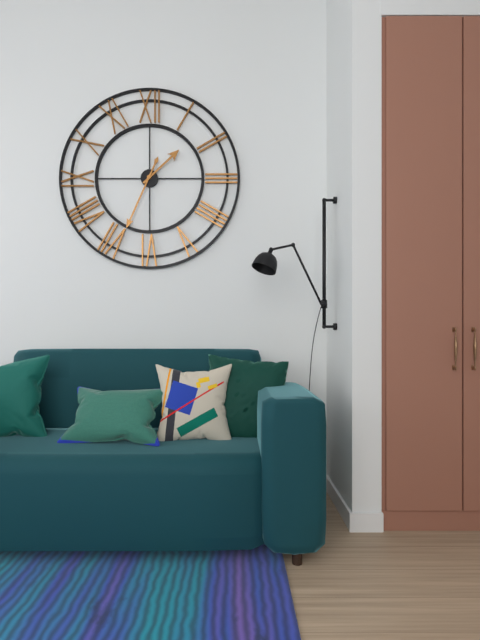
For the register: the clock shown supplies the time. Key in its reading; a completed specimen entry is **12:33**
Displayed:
**1:34**
